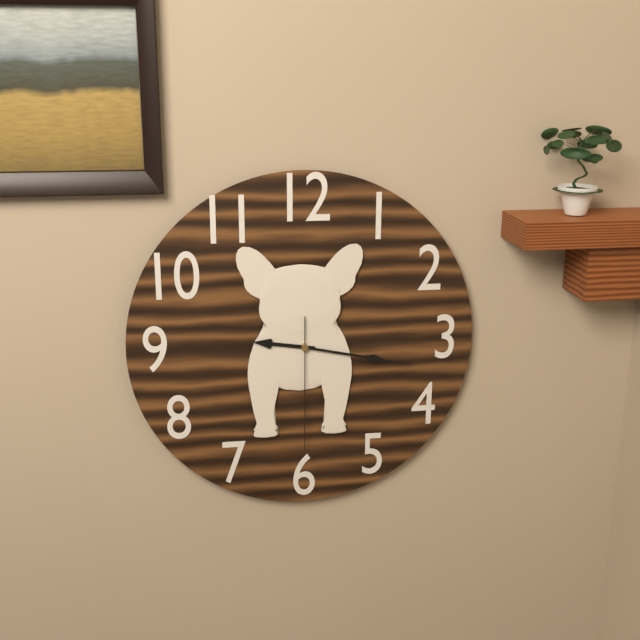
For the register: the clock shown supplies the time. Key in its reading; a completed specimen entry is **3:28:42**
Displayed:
**9:17:30**
